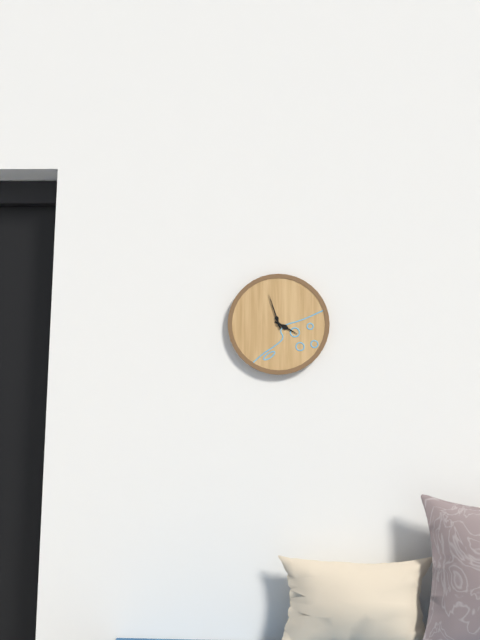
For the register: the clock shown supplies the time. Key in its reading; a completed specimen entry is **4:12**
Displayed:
**3:57**
